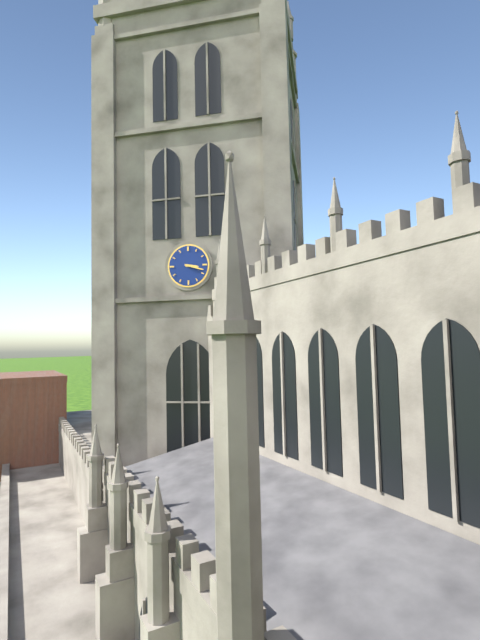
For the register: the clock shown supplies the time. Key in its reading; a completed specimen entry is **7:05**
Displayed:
**3:18**
